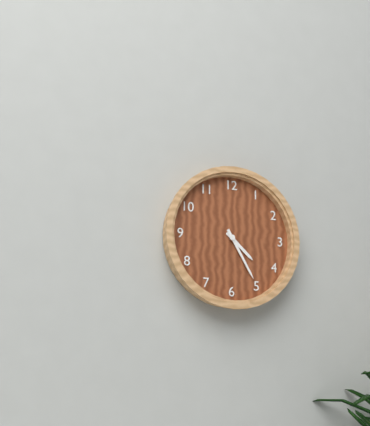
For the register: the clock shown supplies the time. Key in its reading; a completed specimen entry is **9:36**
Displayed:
**4:25**
